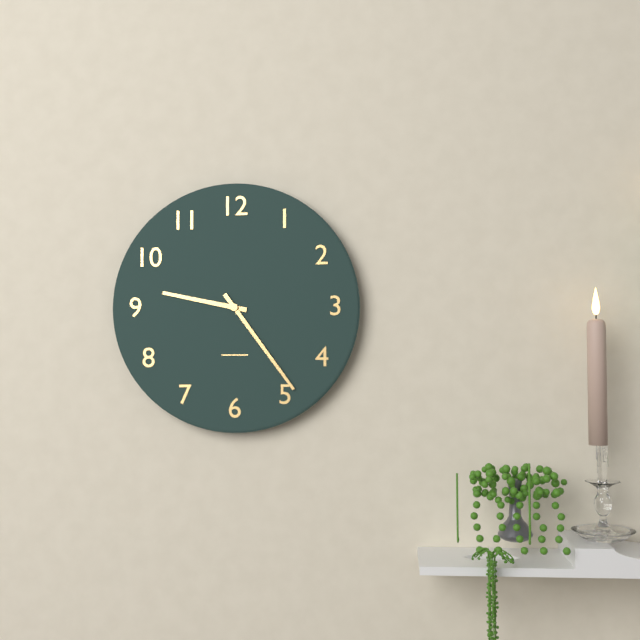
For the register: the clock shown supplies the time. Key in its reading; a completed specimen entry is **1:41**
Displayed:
**9:24**
